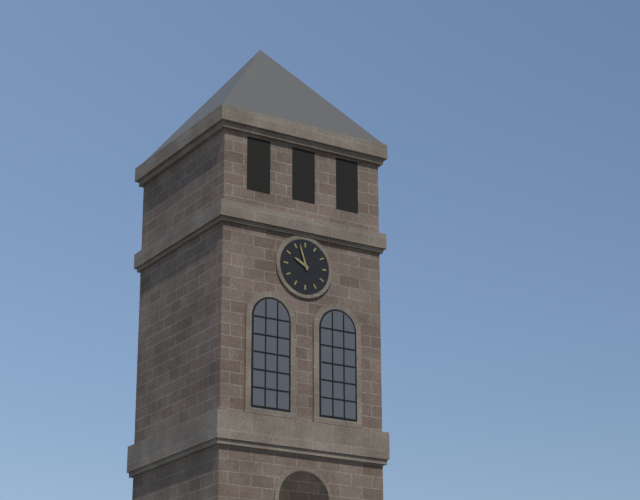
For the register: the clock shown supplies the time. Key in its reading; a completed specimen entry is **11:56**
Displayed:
**9:57**
